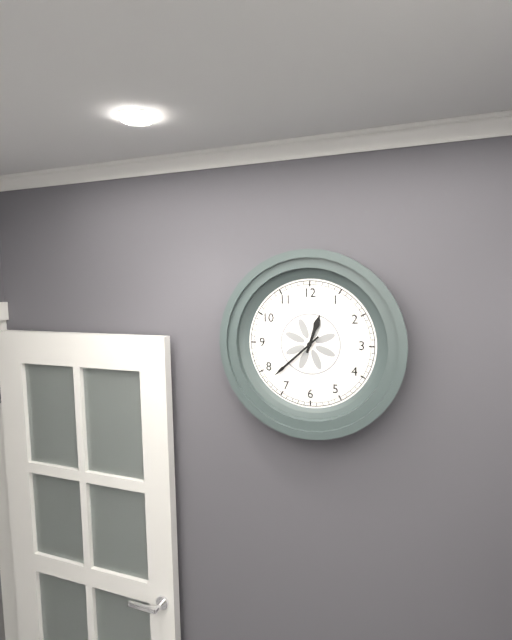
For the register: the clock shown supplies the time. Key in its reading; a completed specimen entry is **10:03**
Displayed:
**12:38**
